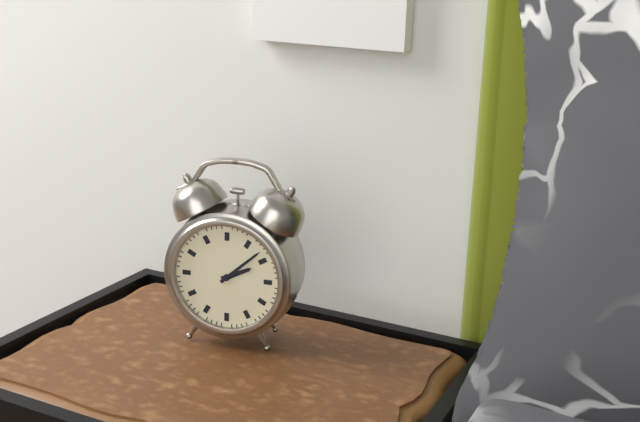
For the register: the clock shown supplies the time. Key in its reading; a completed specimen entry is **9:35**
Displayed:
**2:08**
